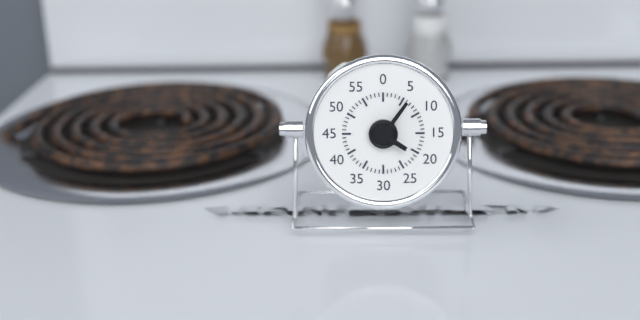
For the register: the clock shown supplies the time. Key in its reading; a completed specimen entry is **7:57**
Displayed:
**4:06**
